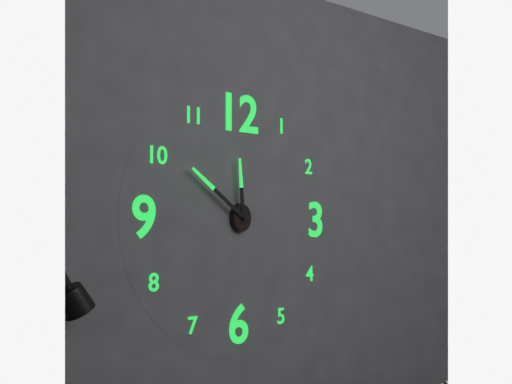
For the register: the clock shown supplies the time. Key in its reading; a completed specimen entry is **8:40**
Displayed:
**11:51**
